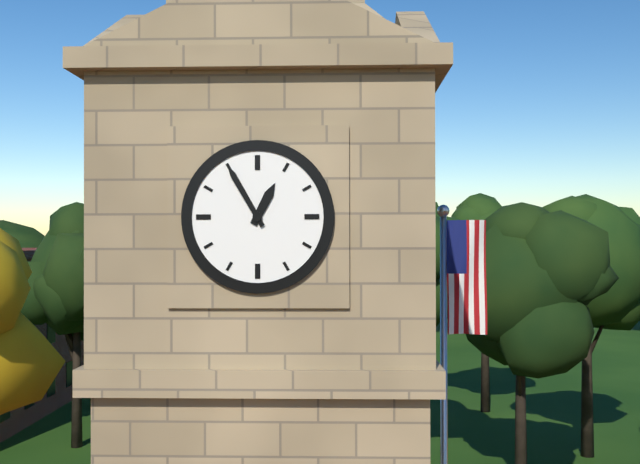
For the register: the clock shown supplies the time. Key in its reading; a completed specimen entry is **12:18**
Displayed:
**12:55**
